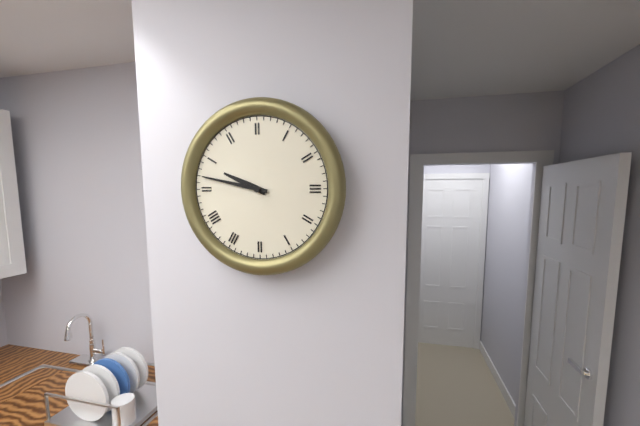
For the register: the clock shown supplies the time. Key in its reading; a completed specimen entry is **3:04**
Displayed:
**9:47**
